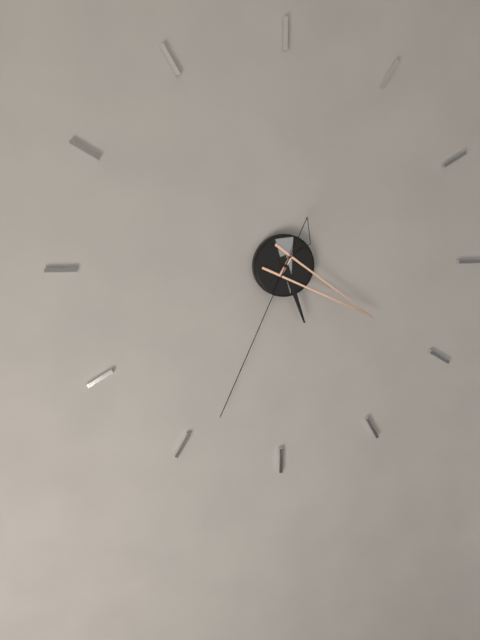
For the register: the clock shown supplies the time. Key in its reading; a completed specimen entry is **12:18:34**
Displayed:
**5:20:34**
